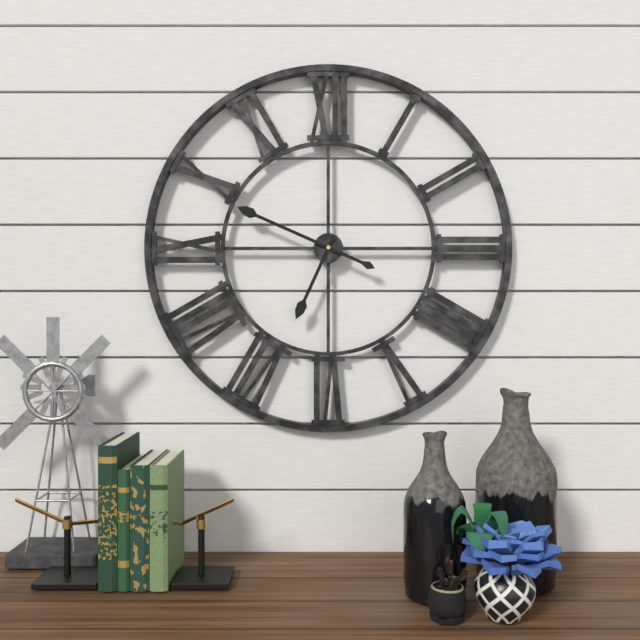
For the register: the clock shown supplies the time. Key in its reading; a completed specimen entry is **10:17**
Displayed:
**6:49**
